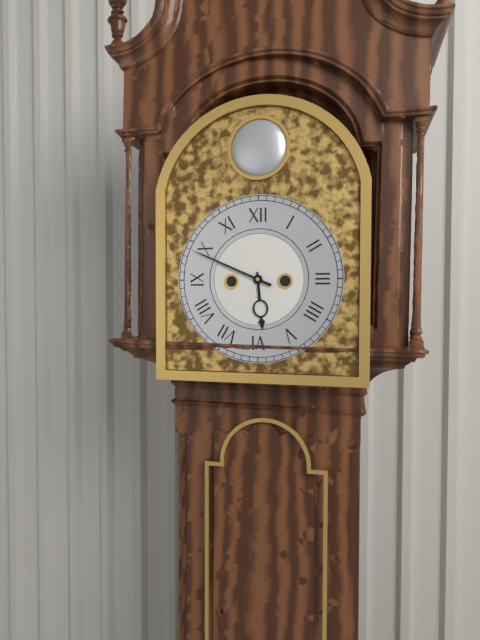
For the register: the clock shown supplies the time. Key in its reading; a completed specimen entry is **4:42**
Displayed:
**5:49**
